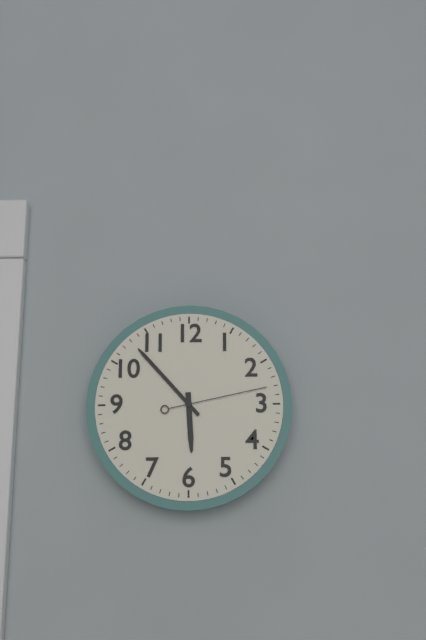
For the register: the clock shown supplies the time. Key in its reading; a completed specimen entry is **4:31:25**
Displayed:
**5:53:13**
